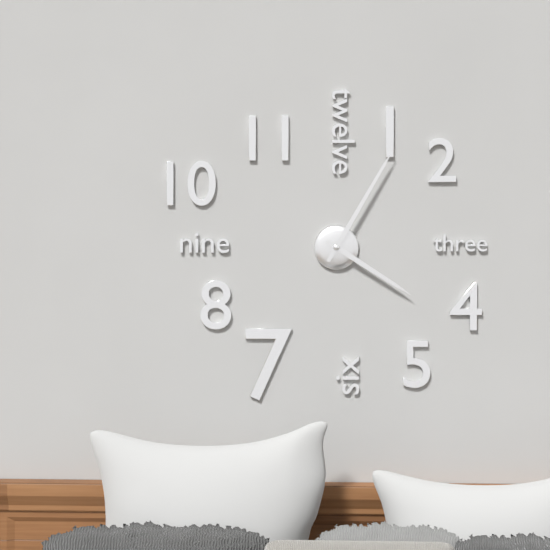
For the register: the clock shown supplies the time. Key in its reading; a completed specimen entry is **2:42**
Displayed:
**4:05**
